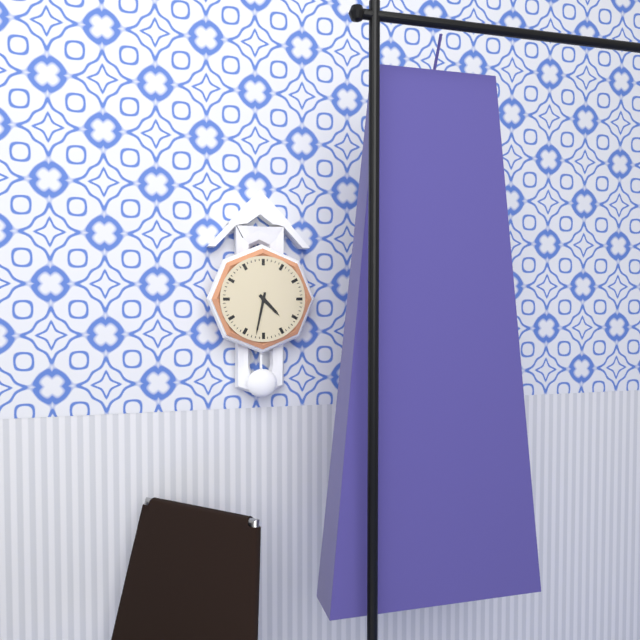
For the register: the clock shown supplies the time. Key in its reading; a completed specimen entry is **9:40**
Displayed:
**4:32**
